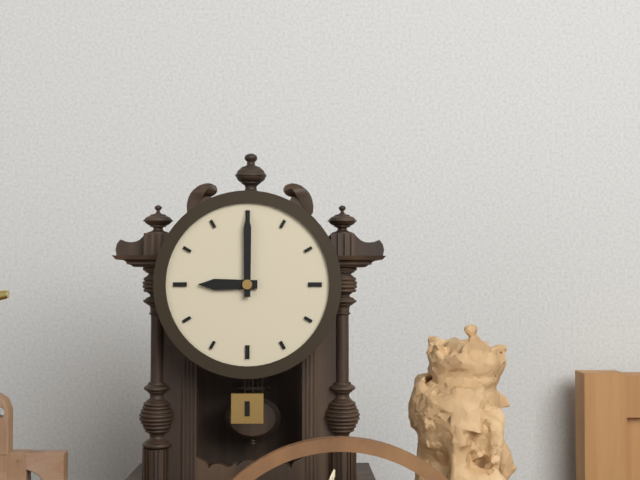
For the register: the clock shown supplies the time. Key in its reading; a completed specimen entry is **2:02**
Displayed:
**9:00**
